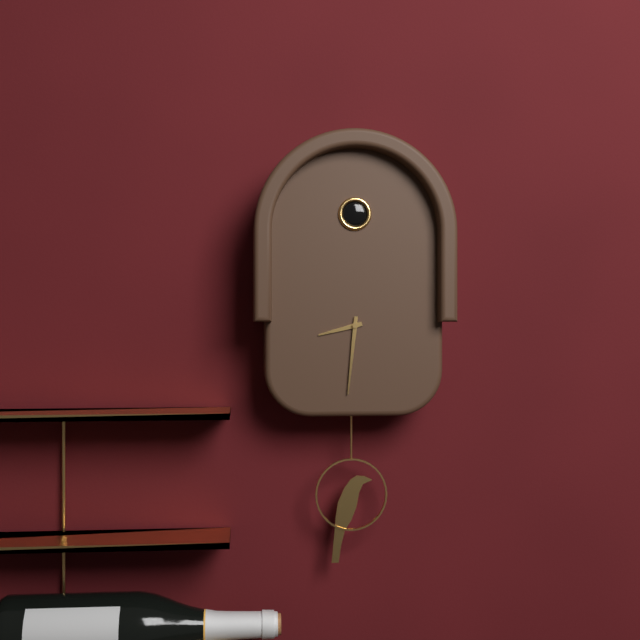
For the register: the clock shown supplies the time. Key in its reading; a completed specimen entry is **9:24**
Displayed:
**8:31**
